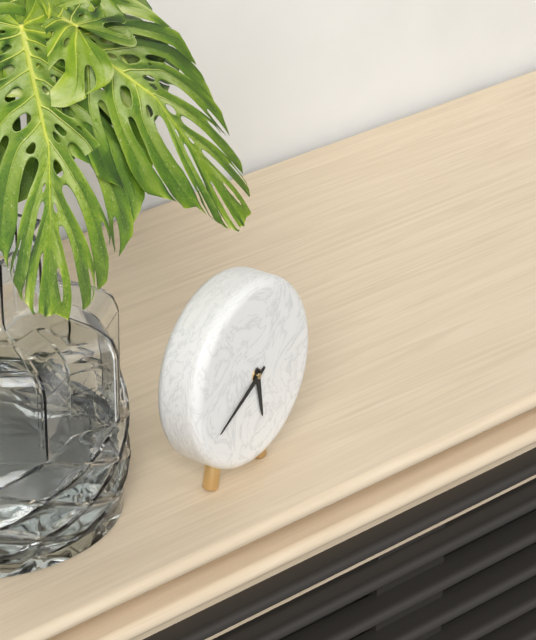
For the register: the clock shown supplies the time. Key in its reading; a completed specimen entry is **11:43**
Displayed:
**5:40**
